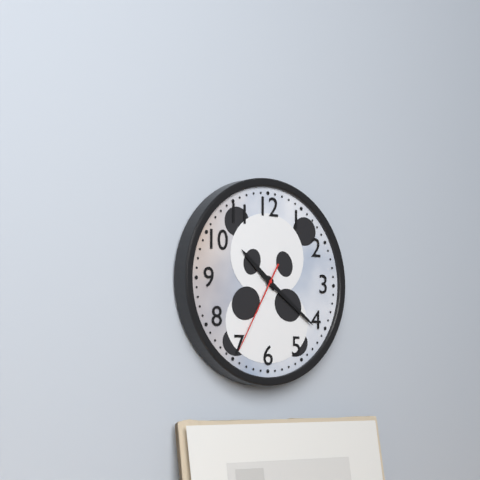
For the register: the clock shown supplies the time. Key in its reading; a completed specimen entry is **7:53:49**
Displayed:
**10:21:35**
